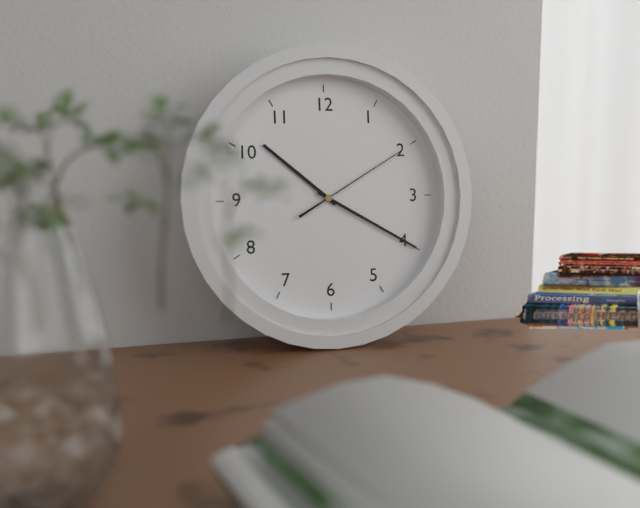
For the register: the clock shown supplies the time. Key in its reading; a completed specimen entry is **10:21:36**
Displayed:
**10:20:10**
